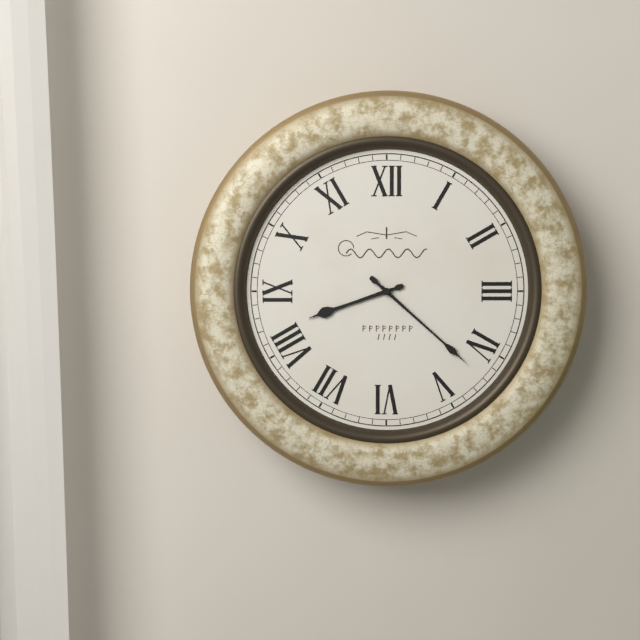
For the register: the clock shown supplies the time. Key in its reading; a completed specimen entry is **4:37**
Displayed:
**8:22**
